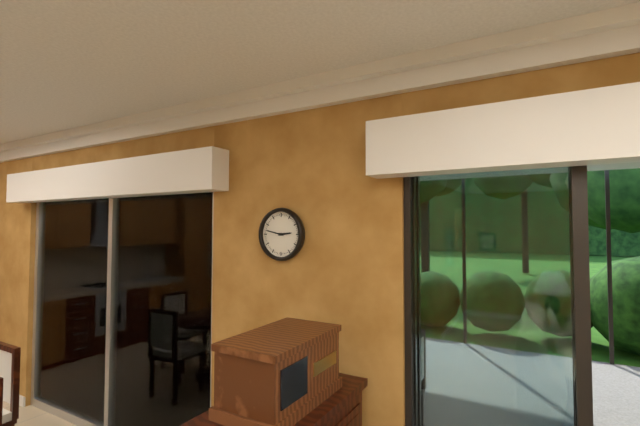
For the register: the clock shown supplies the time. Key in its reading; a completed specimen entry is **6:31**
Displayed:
**2:47**
